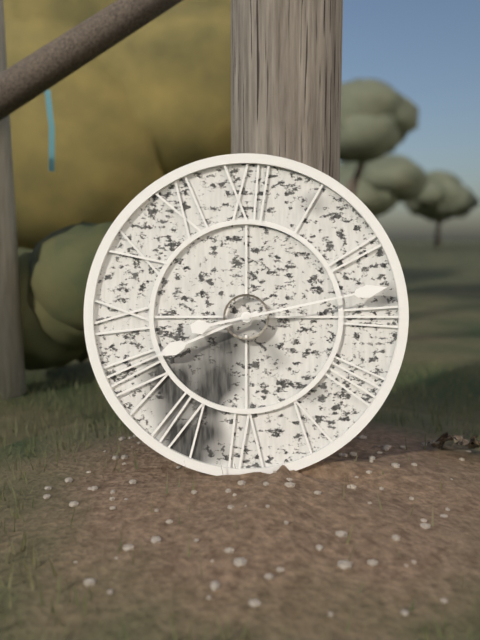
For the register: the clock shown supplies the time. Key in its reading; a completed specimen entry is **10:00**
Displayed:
**8:13**
